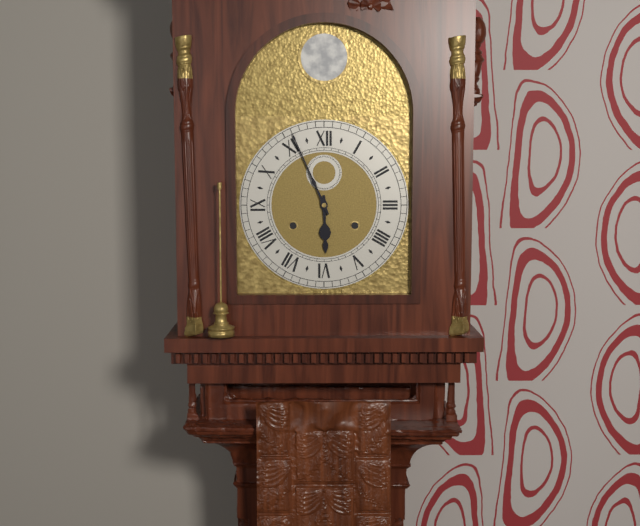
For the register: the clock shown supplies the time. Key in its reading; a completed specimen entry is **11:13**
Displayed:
**5:56**
